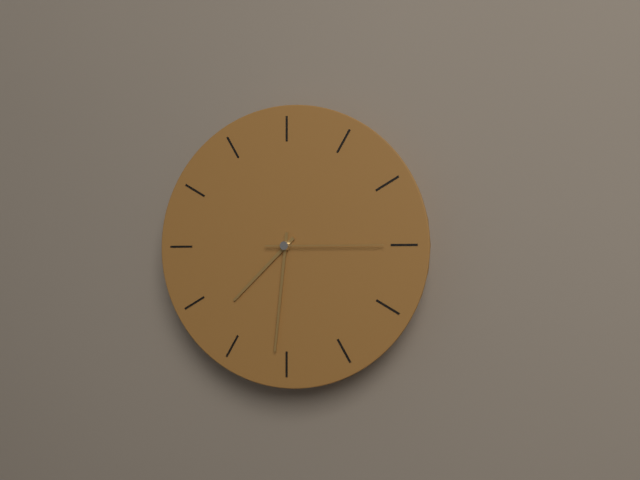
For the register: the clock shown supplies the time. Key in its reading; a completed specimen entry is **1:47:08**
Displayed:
**7:31:15**
